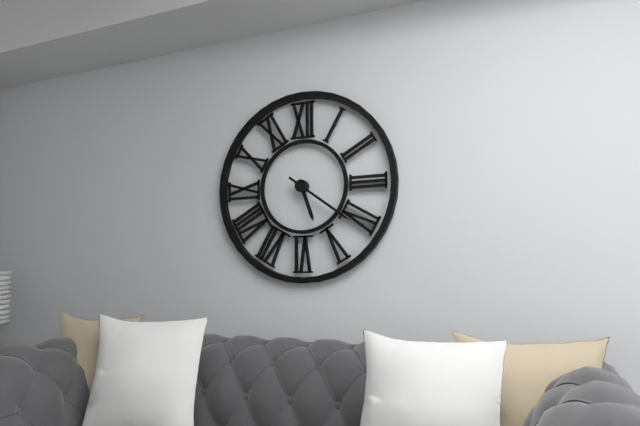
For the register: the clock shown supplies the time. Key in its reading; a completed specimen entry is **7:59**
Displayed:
**5:21**
